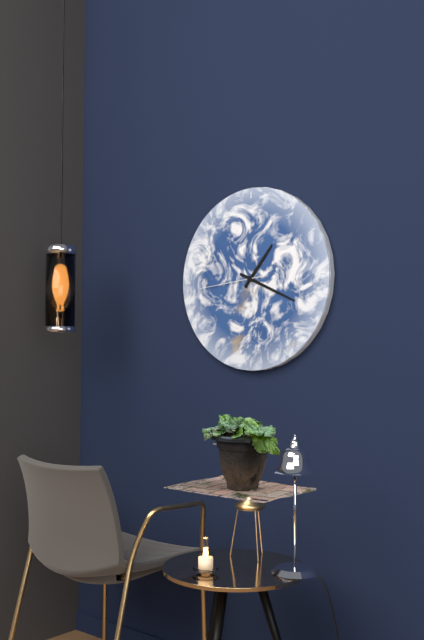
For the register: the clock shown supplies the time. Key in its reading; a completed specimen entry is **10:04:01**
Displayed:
**1:19:44**
